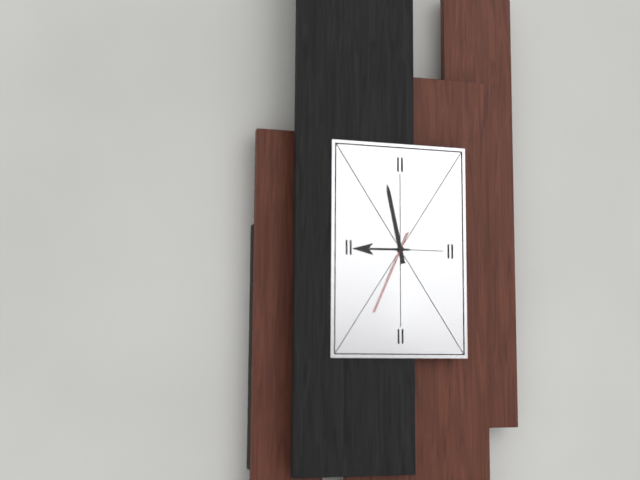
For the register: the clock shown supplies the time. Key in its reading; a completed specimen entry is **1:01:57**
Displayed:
**8:58:34**
